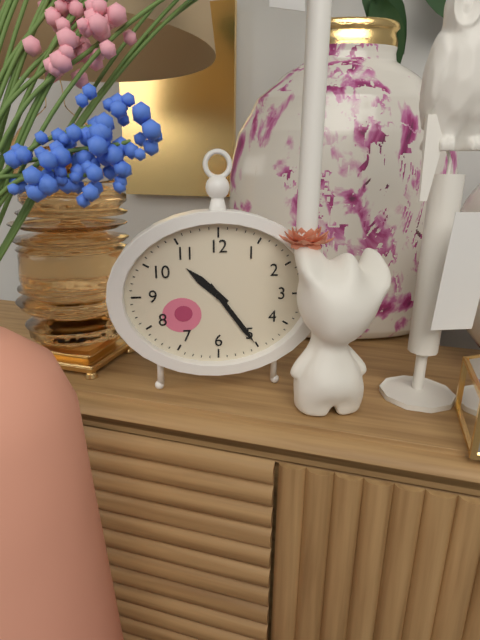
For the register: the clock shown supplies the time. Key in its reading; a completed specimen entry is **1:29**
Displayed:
**10:24**
